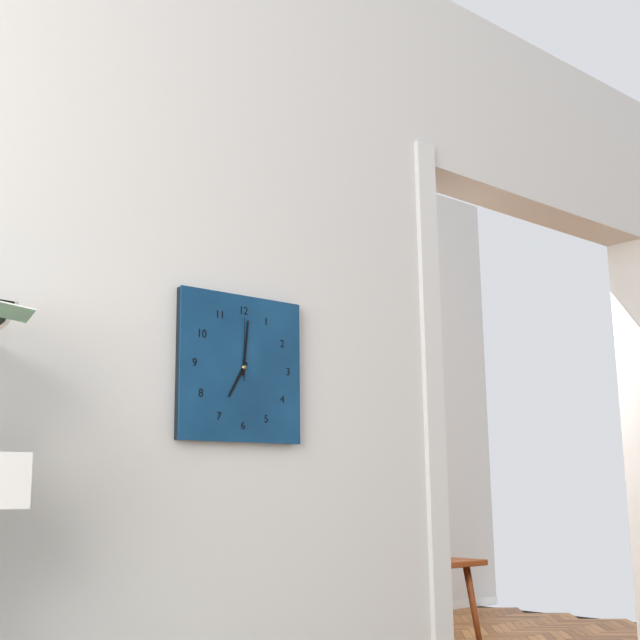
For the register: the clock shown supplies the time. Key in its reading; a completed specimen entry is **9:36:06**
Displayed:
**7:01:00**
